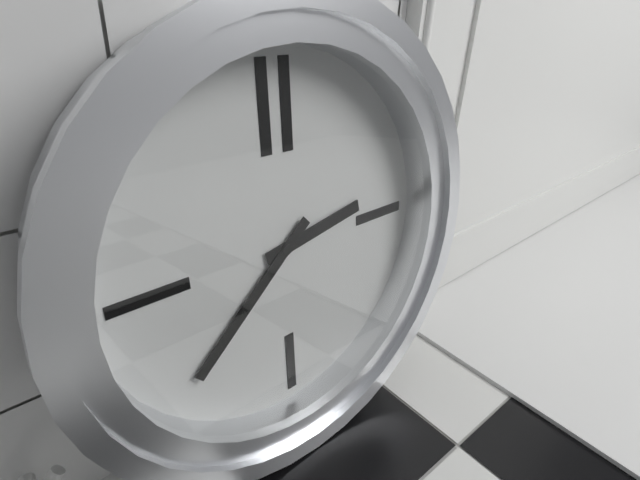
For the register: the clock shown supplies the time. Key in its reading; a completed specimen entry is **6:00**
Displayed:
**2:38**
